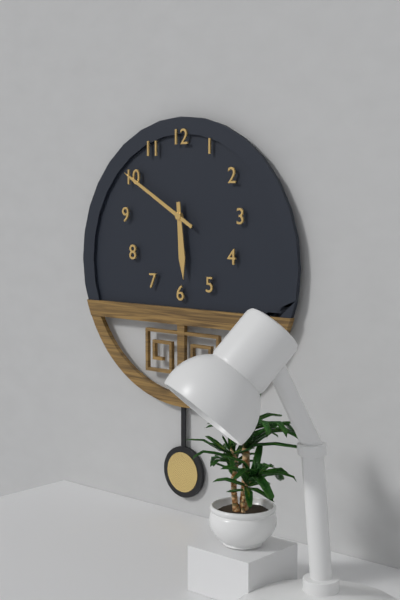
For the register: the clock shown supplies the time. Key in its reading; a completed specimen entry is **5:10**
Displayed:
**5:50**
